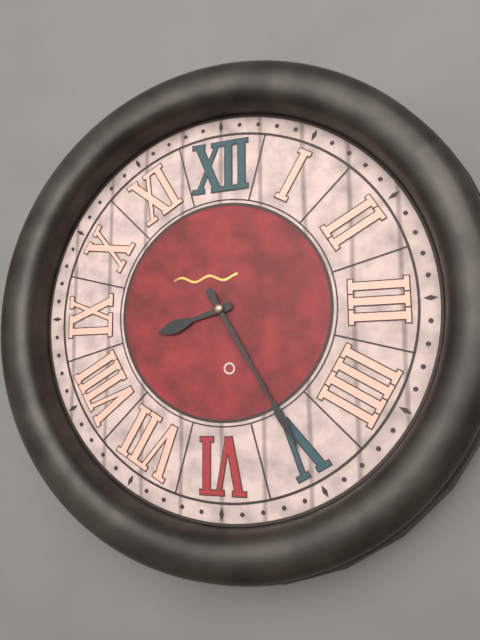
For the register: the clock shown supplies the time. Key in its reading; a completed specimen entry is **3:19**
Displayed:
**8:25**
